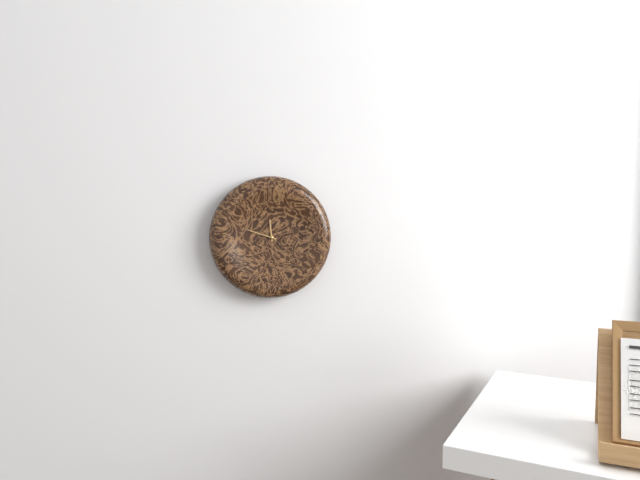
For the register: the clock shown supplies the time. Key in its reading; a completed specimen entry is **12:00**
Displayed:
**11:48**
